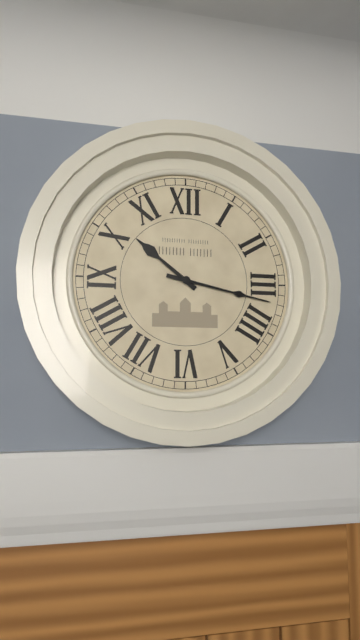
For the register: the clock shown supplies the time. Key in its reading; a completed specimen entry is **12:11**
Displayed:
**10:17**
